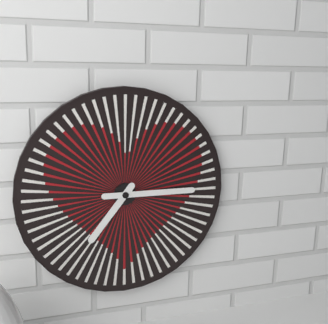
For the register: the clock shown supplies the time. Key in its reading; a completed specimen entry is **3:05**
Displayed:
**7:15**
